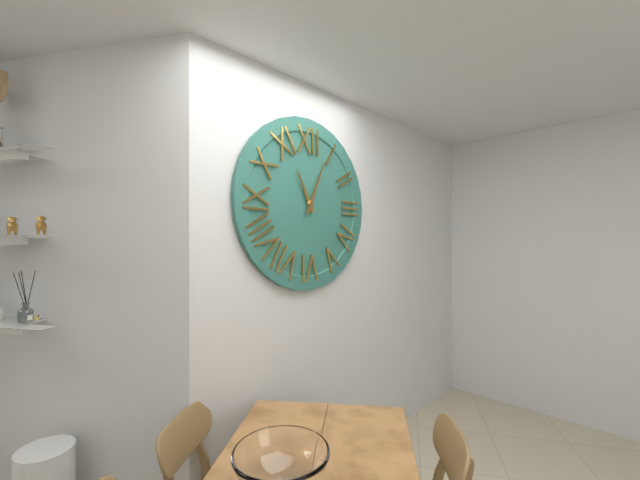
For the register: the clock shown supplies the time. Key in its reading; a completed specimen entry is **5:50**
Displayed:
**11:04**
